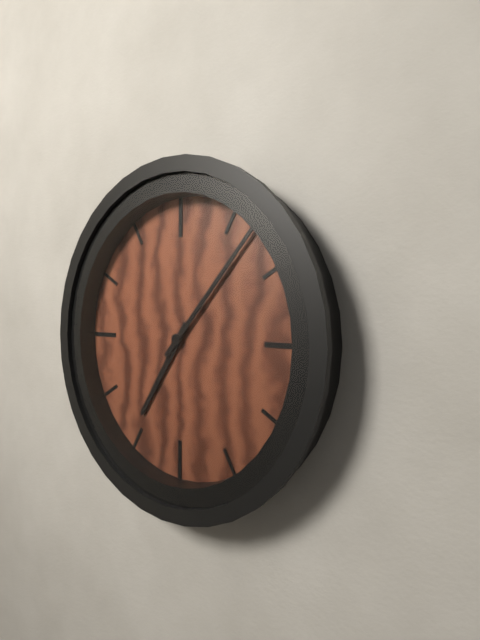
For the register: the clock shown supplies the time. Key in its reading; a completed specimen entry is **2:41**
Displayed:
**7:07**
